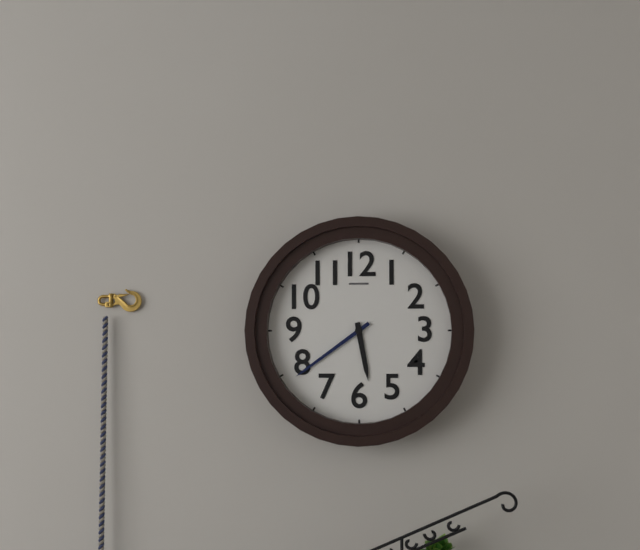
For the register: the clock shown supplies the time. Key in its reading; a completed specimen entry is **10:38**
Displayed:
**5:39**
